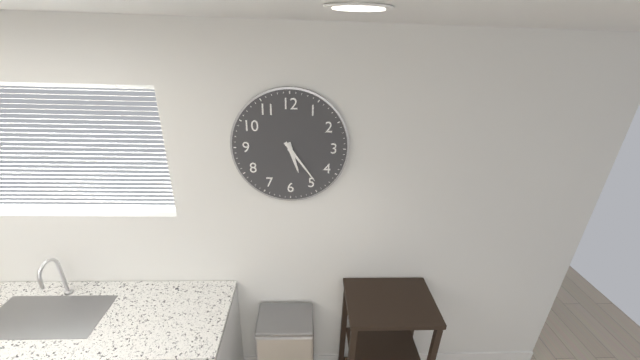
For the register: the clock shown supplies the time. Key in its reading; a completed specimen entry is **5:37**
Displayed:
**5:24**
